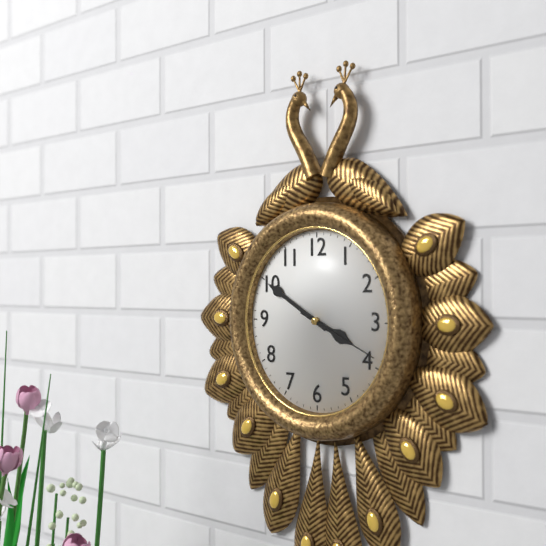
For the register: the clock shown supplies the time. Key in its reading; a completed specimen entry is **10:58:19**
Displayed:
**3:50:19**
